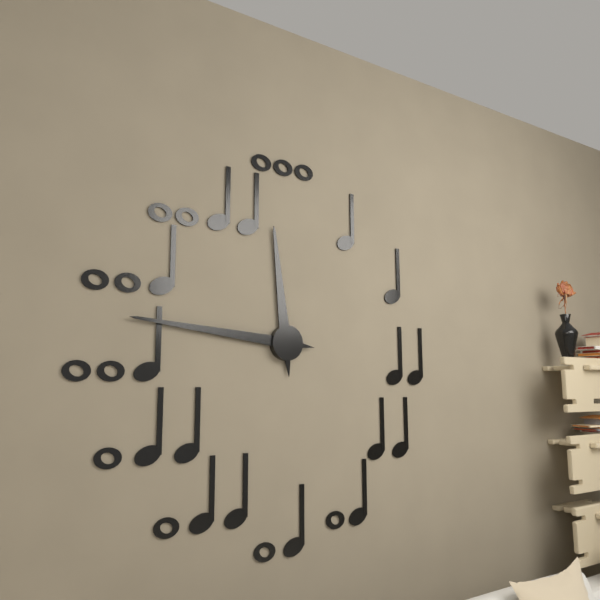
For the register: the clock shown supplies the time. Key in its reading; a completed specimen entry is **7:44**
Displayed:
**11:46**
